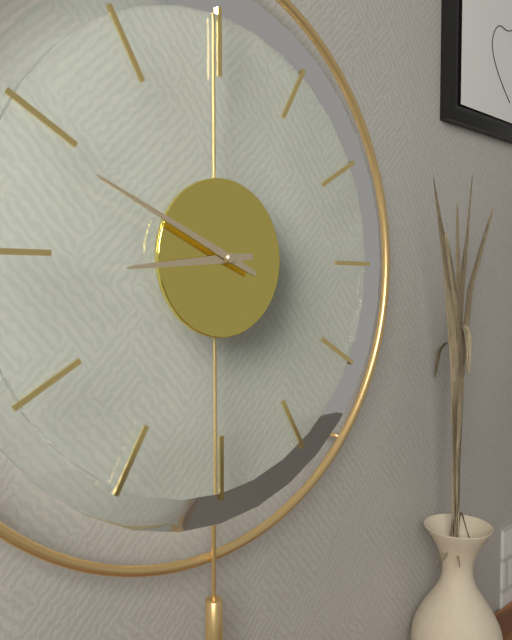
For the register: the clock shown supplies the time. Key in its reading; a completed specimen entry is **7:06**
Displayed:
**8:49**
